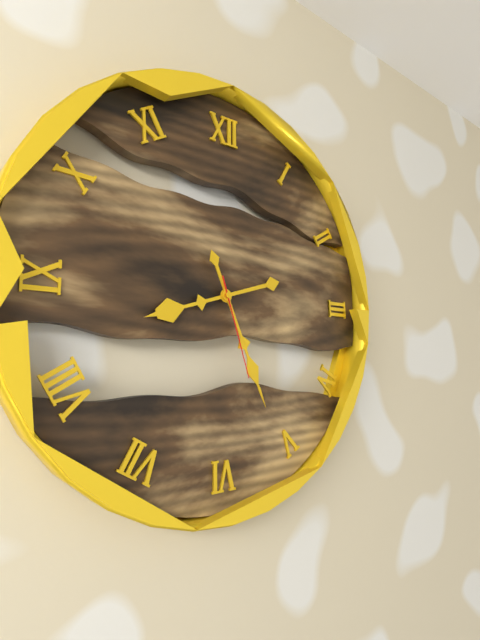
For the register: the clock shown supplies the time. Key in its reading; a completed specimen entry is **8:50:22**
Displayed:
**8:26:27**
